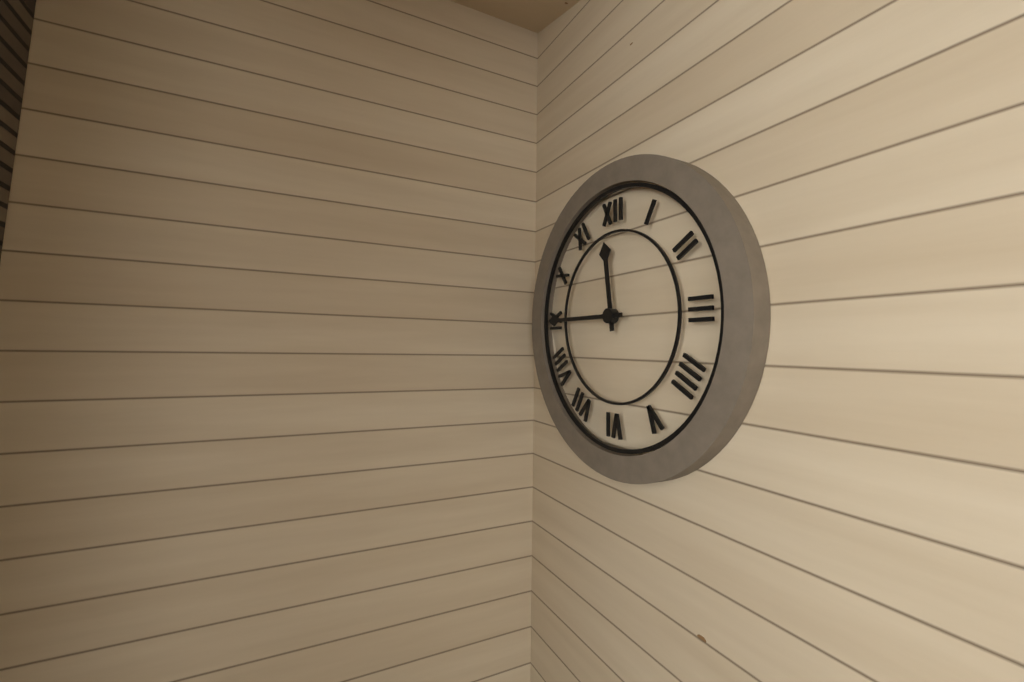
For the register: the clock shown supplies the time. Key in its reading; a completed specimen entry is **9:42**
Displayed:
**11:45**
